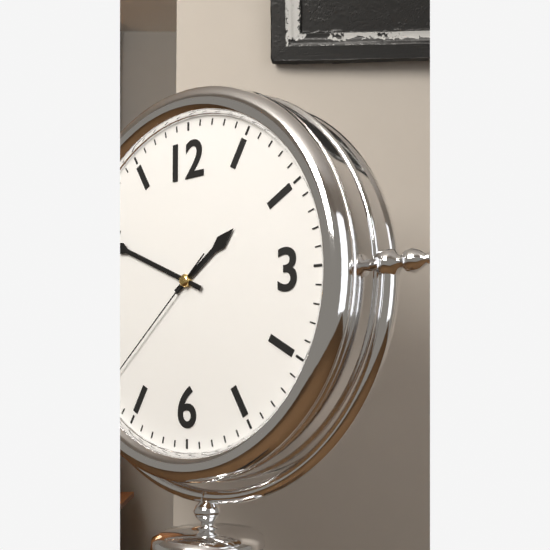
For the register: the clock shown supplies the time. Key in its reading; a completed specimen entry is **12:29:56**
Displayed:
**1:49:38**
